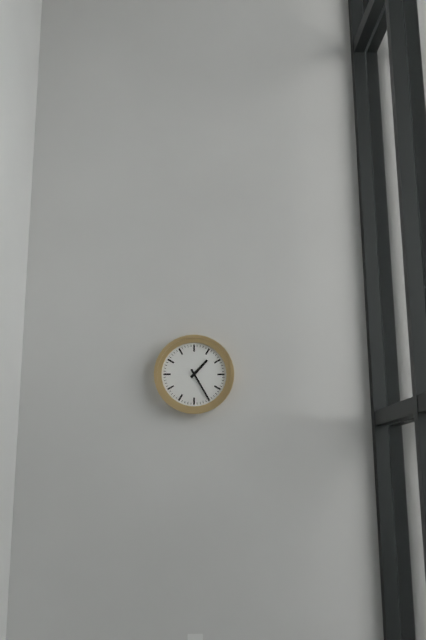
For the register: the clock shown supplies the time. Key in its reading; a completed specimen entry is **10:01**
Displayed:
**1:25**
